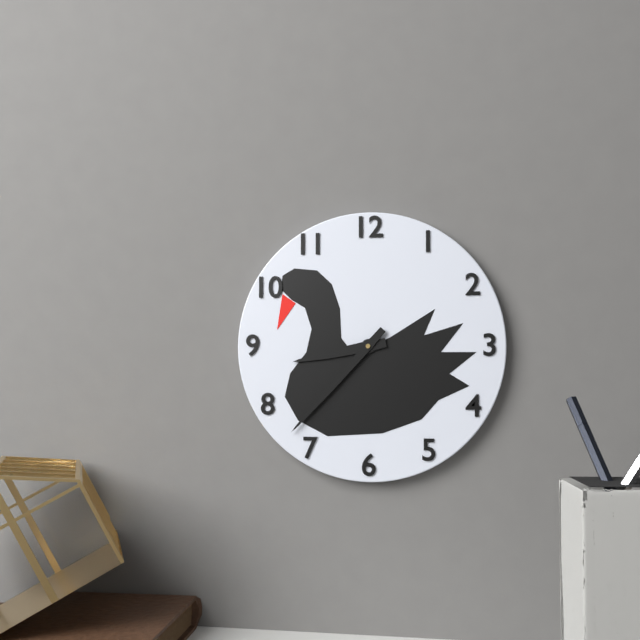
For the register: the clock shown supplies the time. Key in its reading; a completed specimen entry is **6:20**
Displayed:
**8:37**
